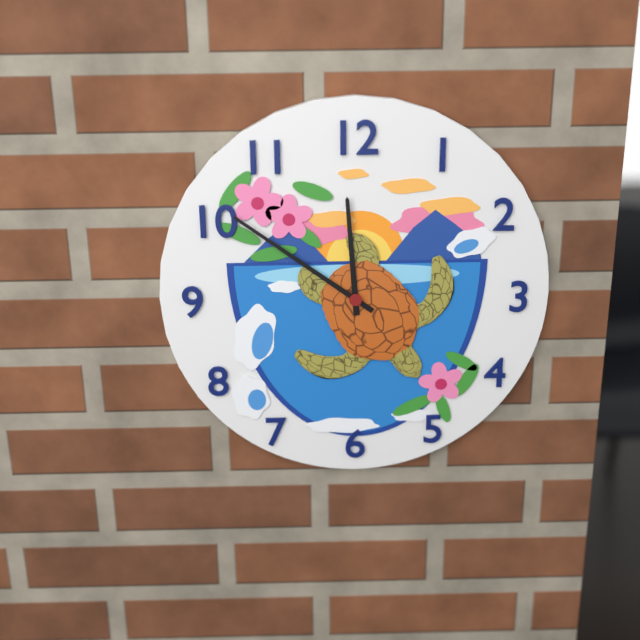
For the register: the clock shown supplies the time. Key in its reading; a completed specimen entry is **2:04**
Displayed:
**11:51**
